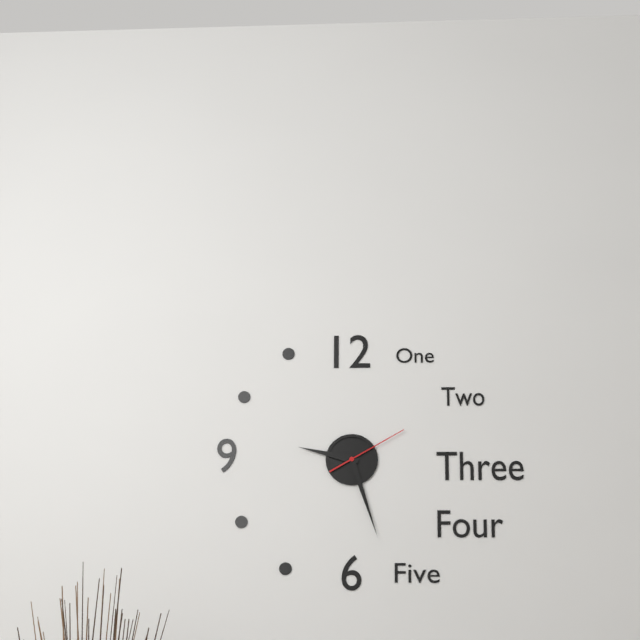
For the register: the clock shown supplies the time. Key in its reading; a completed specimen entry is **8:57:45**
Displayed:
**9:27:10**
